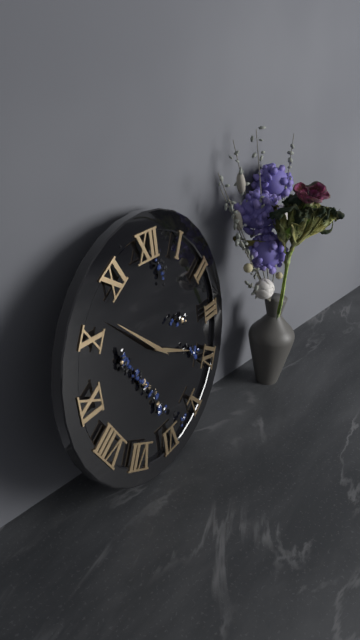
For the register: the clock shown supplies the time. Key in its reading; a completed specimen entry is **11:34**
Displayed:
**3:52**
